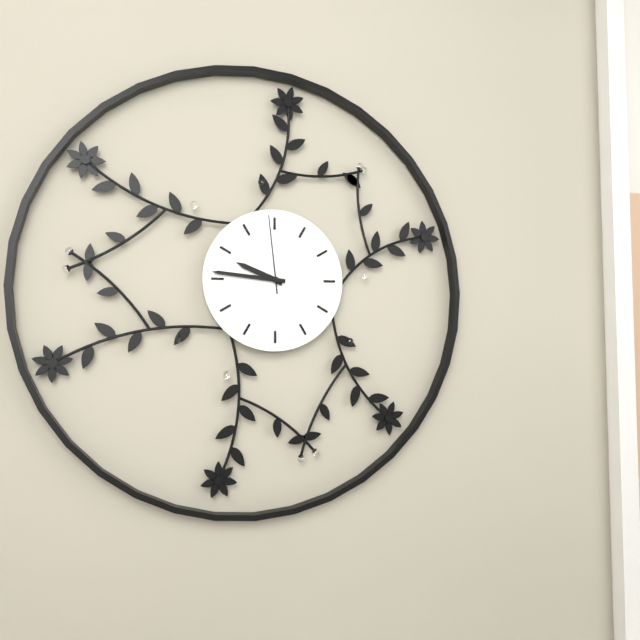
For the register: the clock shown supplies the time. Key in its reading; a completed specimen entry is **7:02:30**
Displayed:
**9:46:59**
